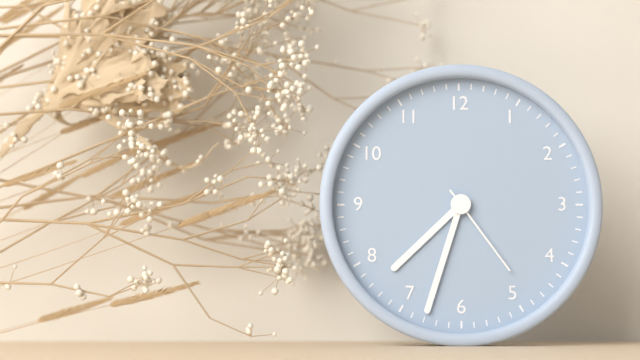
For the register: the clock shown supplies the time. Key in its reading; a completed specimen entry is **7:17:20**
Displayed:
**7:33:24**
